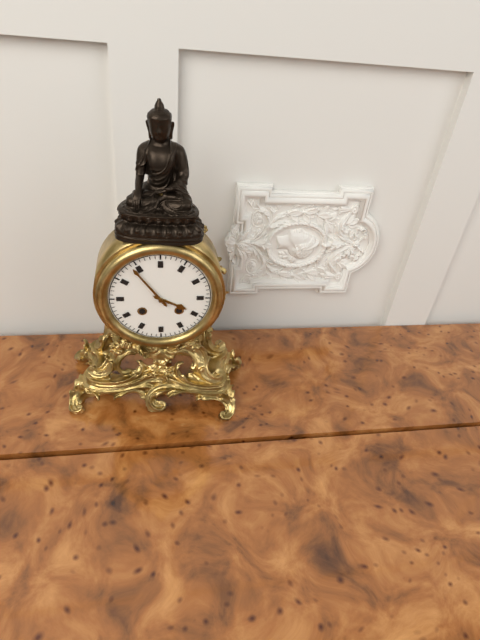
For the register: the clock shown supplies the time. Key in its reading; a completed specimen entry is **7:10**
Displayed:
**3:54**
